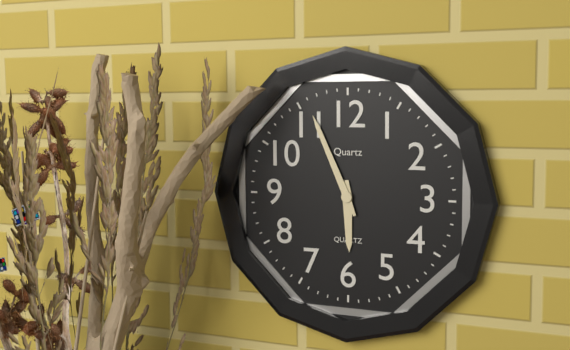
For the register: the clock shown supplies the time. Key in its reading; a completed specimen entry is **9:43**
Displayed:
**5:56**
